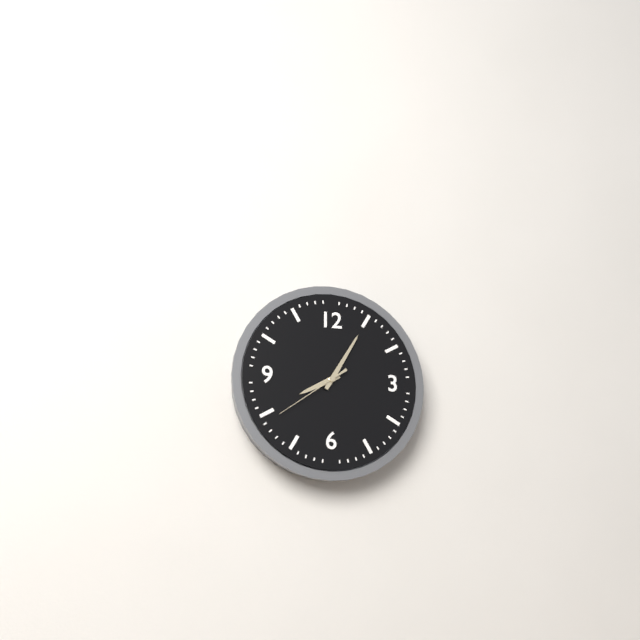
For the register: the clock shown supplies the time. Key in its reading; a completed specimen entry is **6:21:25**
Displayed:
**8:05:39**
